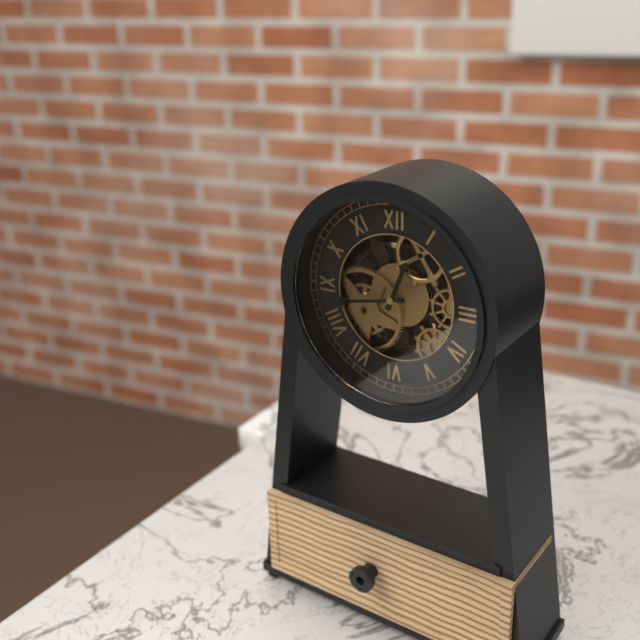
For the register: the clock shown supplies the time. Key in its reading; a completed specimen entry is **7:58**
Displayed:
**12:43**
